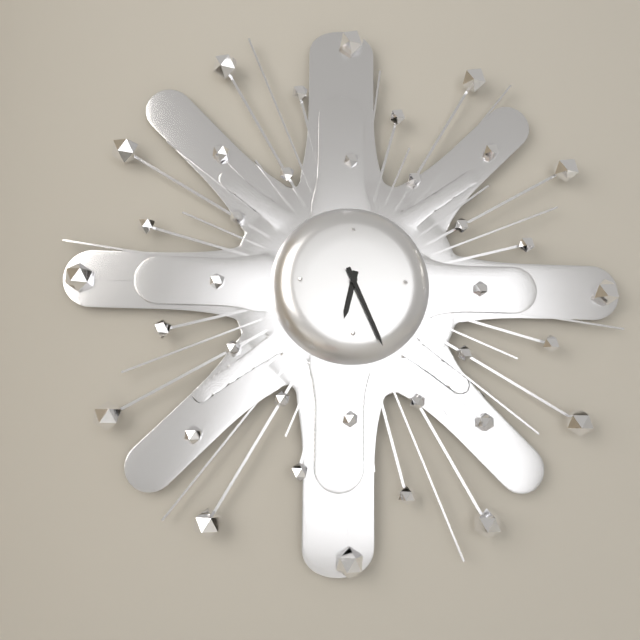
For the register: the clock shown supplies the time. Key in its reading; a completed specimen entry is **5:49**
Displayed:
**6:26**
